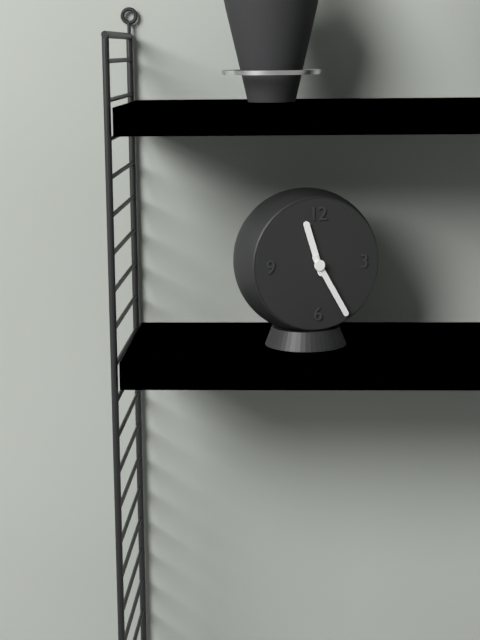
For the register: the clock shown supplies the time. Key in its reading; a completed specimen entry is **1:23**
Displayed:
**11:25**
